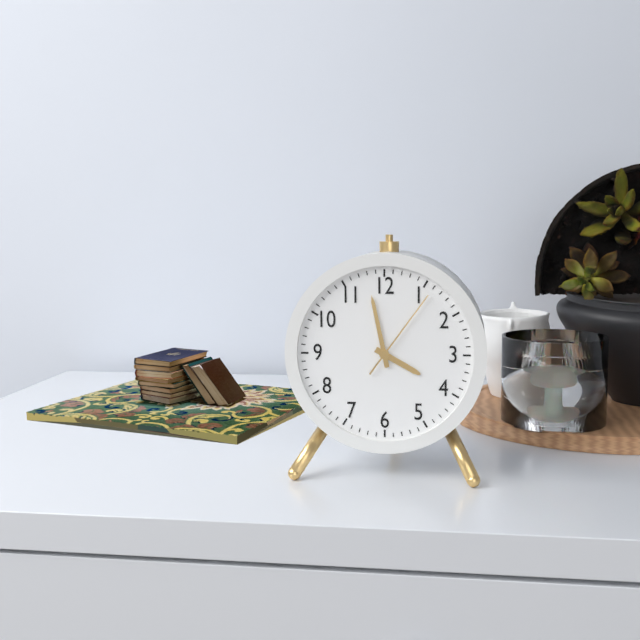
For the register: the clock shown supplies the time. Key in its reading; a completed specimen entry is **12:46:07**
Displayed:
**3:58:06**
